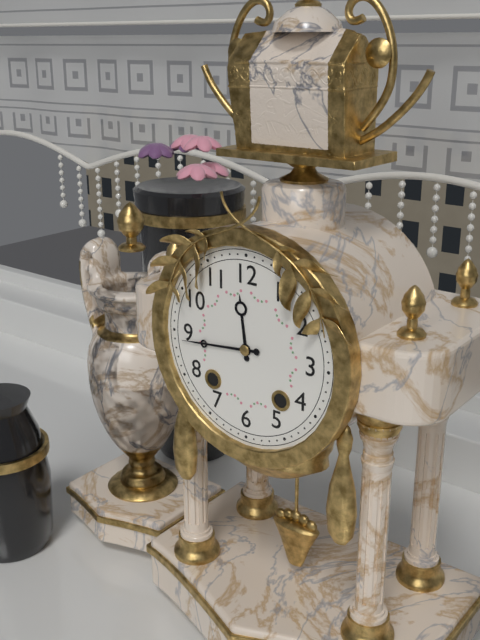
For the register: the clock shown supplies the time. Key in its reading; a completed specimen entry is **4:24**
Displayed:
**11:44**
